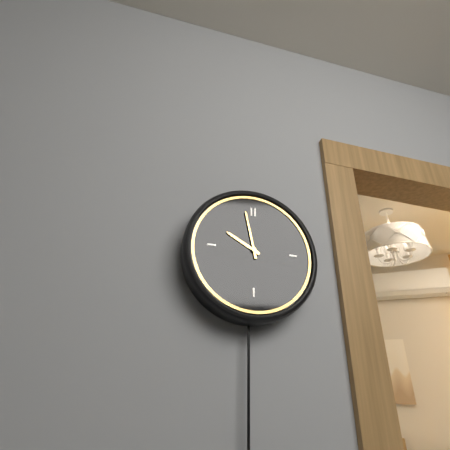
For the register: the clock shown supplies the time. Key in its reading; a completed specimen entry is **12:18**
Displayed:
**9:58**
